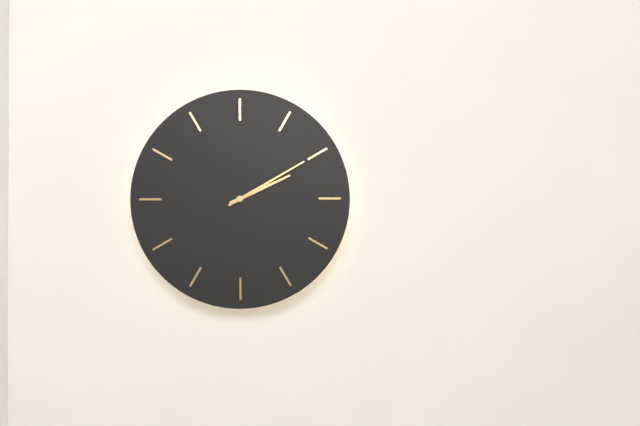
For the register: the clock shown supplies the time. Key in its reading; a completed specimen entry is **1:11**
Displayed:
**2:10**
